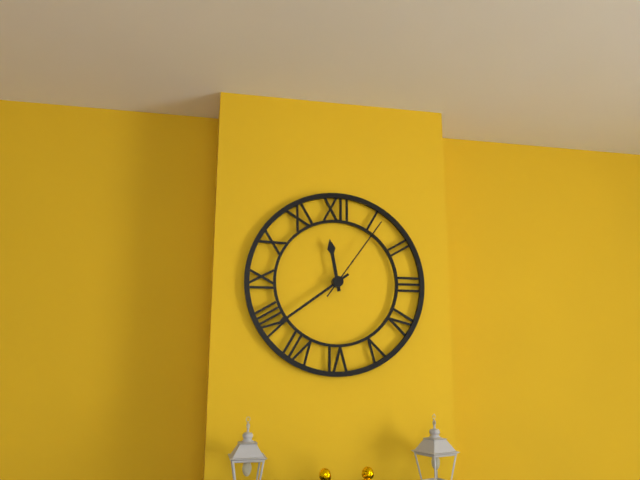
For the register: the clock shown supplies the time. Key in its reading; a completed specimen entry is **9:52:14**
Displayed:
**11:39:06**
